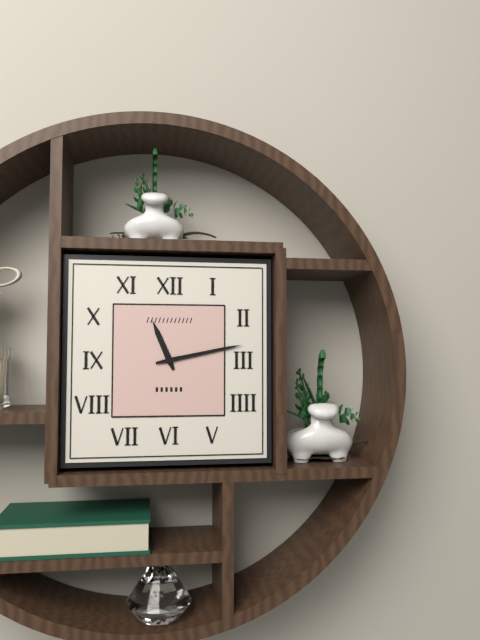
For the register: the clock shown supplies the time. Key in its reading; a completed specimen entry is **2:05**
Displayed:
**11:13**
